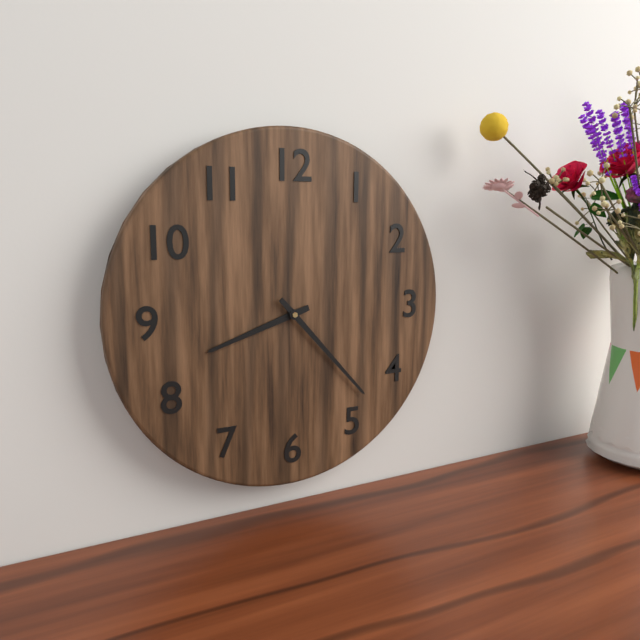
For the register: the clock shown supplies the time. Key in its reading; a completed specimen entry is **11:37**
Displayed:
**8:23**
